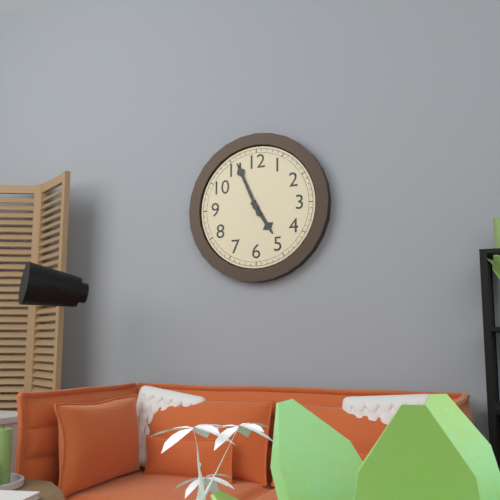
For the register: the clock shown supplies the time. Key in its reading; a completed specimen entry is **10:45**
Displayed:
**4:56**
